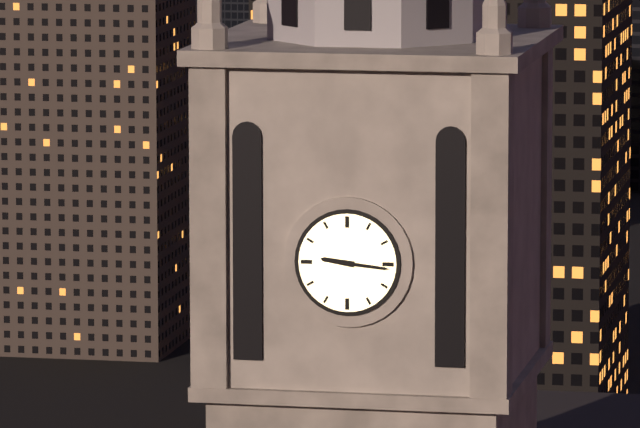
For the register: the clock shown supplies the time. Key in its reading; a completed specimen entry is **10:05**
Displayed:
**9:16**
